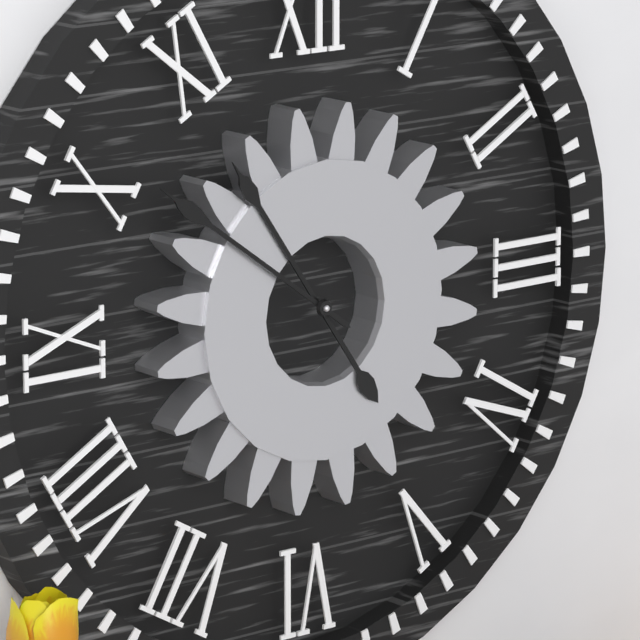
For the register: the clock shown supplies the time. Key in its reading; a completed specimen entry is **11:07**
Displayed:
**10:51**
